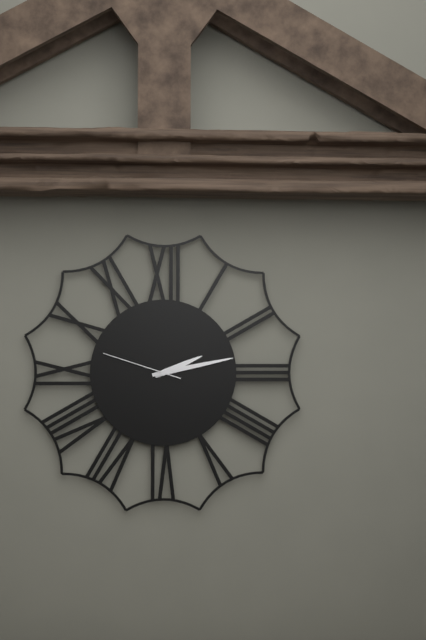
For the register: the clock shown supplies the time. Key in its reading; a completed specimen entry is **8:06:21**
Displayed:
**2:13:48**
